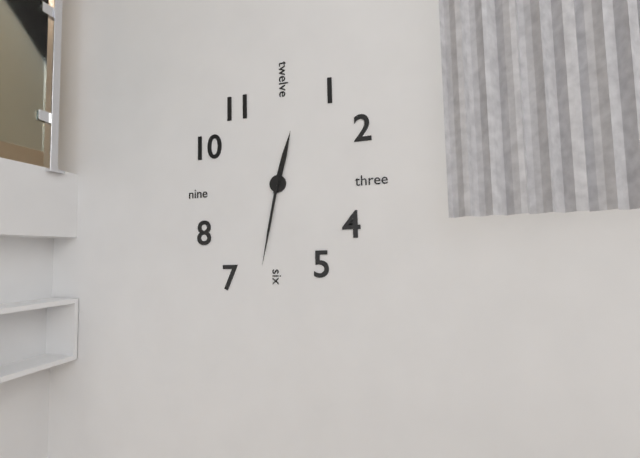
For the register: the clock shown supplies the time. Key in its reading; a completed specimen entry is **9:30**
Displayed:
**12:32**
